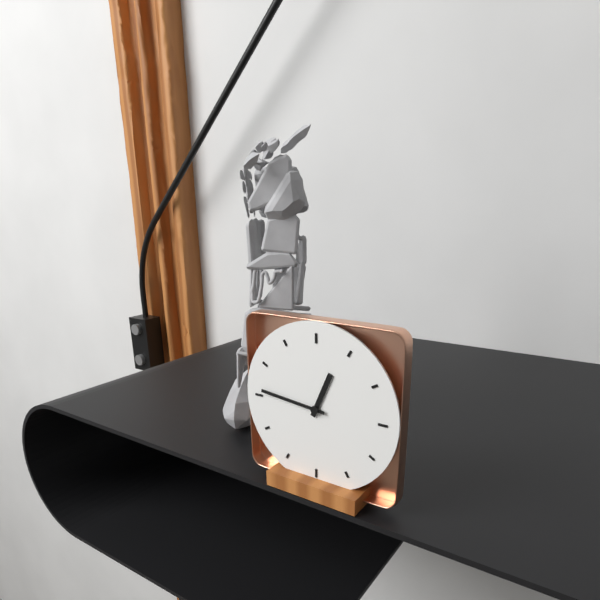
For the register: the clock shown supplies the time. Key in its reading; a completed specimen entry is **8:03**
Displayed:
**12:46**
